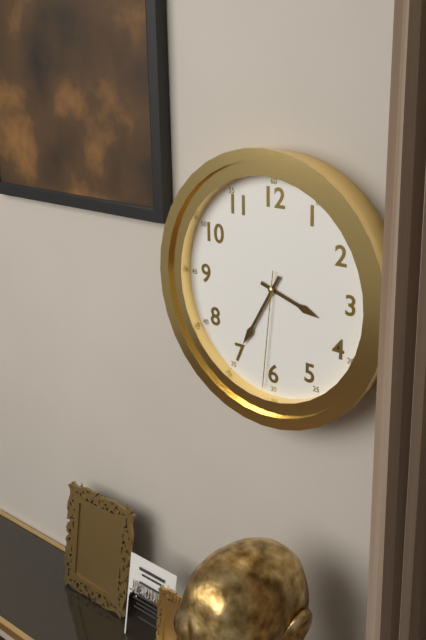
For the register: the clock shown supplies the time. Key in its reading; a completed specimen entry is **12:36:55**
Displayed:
**3:35:31**
